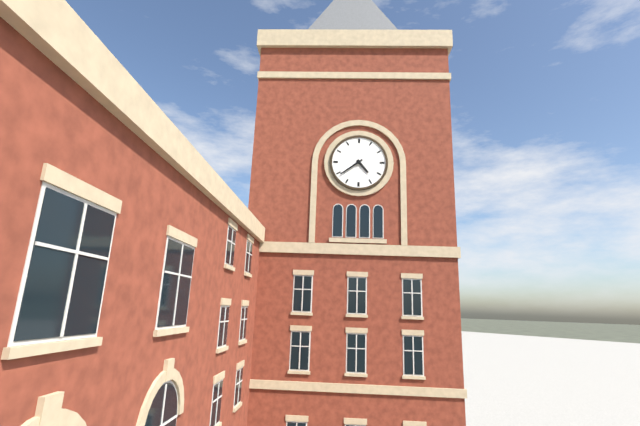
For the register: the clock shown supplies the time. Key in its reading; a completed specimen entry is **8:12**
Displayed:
**4:39**
